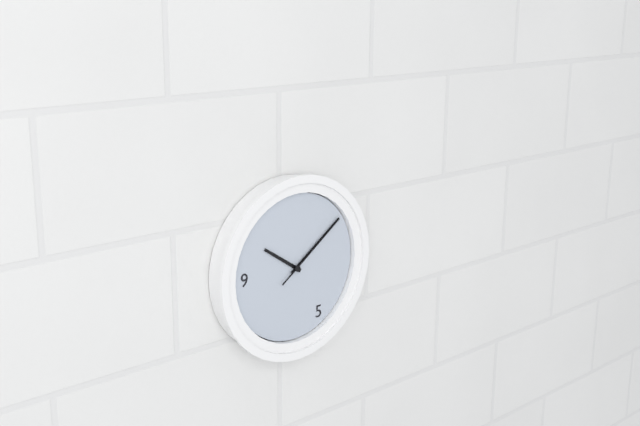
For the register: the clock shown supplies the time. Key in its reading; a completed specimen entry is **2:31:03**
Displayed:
**10:09:09**
